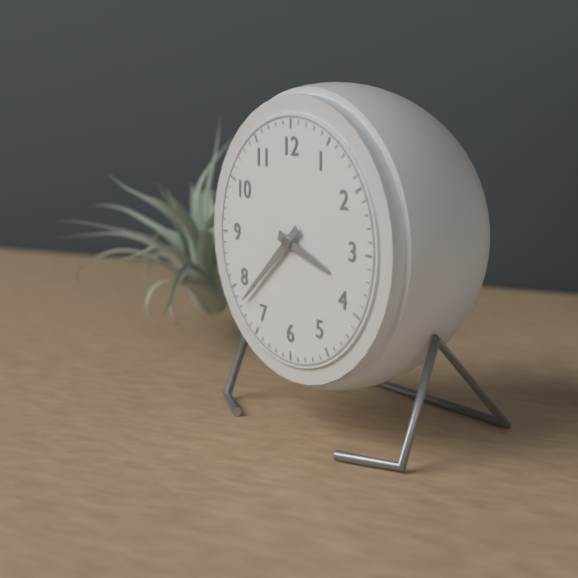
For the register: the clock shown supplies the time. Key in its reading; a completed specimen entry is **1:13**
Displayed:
**3:38**
